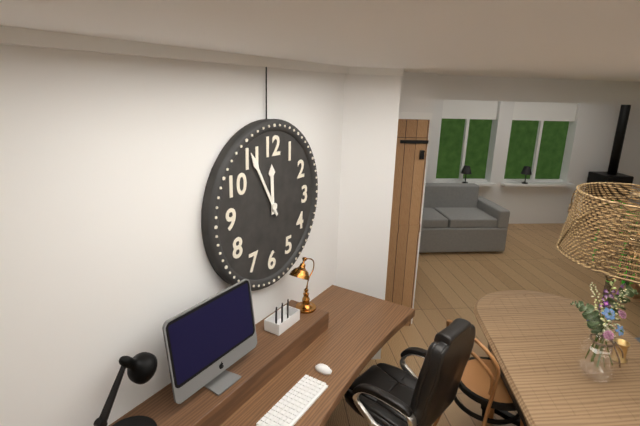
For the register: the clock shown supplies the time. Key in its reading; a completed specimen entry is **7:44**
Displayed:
**11:55**
